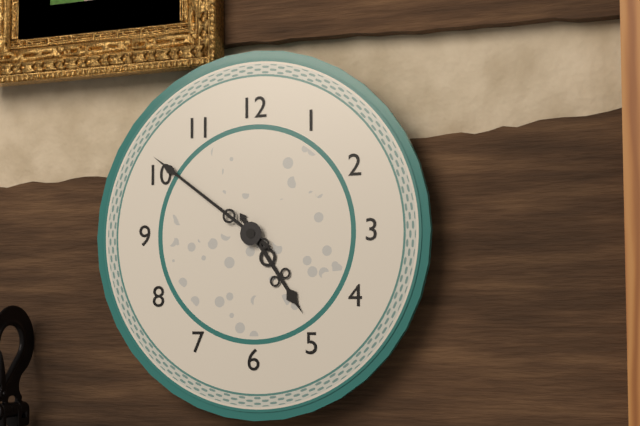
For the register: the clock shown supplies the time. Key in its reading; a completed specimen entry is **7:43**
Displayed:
**4:51**
